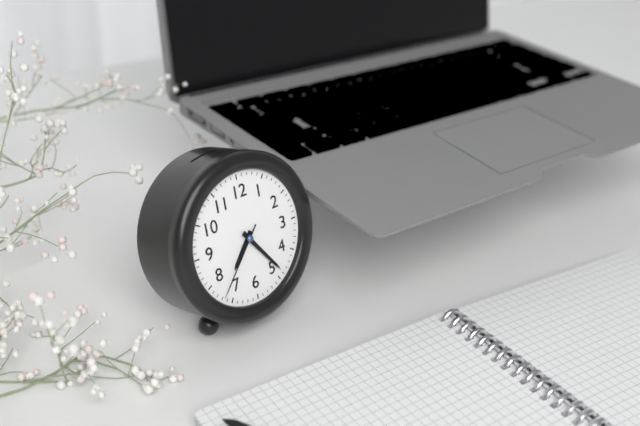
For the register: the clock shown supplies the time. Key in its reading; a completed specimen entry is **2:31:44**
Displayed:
**7:24:37**
